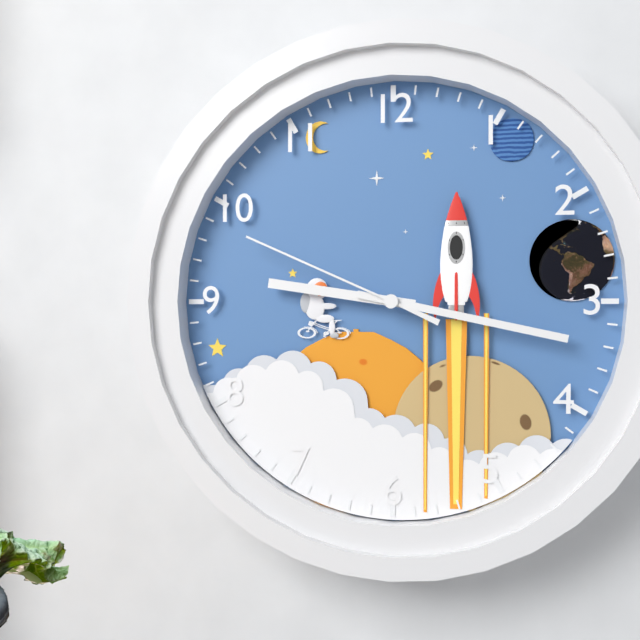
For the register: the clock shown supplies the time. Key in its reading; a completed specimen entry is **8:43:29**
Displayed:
**9:17:49**
